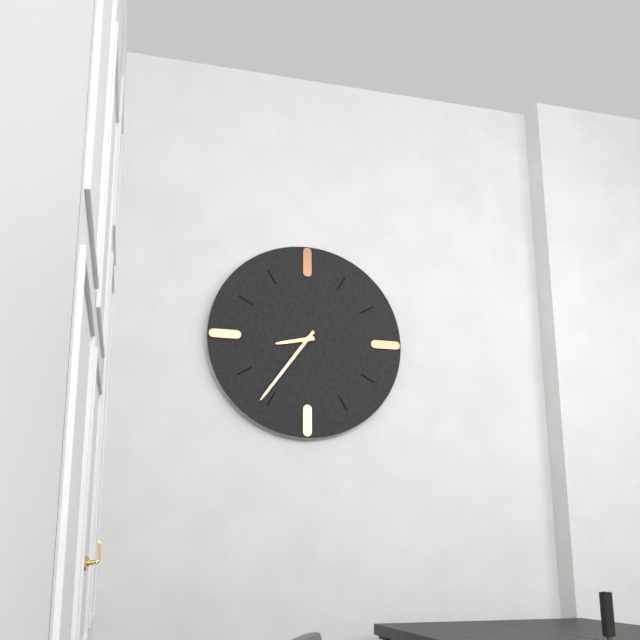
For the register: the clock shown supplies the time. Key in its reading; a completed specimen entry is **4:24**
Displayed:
**8:36**
